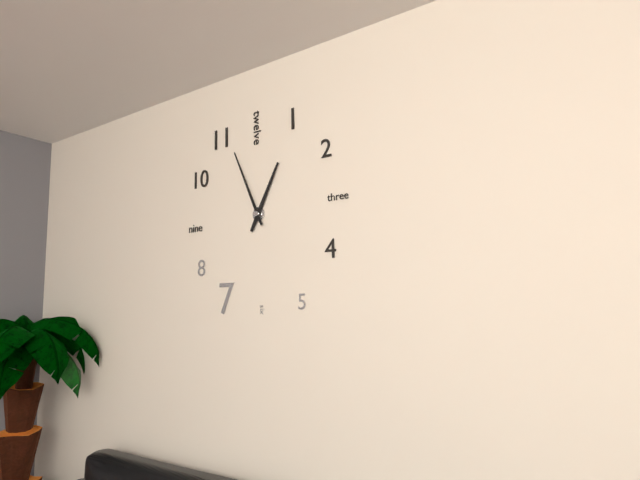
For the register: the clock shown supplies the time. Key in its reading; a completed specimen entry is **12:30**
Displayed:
**12:56**
